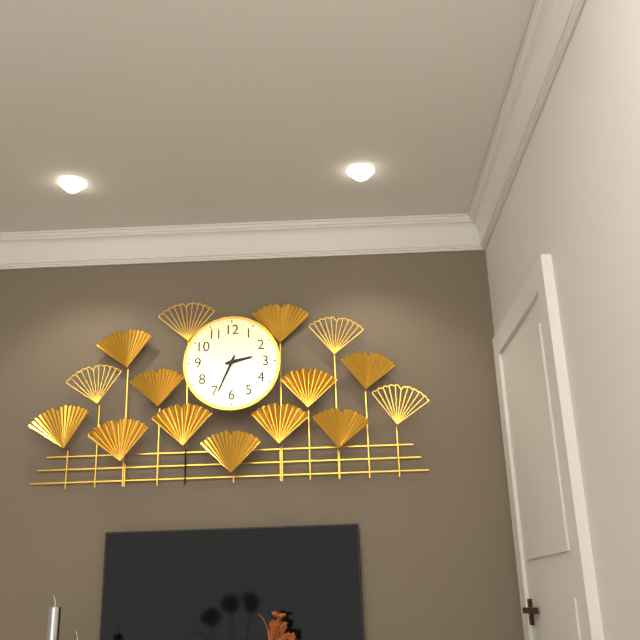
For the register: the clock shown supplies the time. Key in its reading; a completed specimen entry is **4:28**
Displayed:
**2:34**
